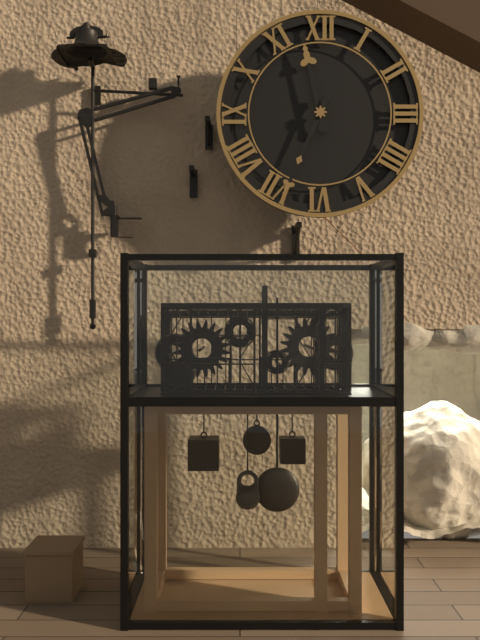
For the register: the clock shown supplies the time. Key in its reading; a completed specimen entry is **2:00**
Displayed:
**11:34**
